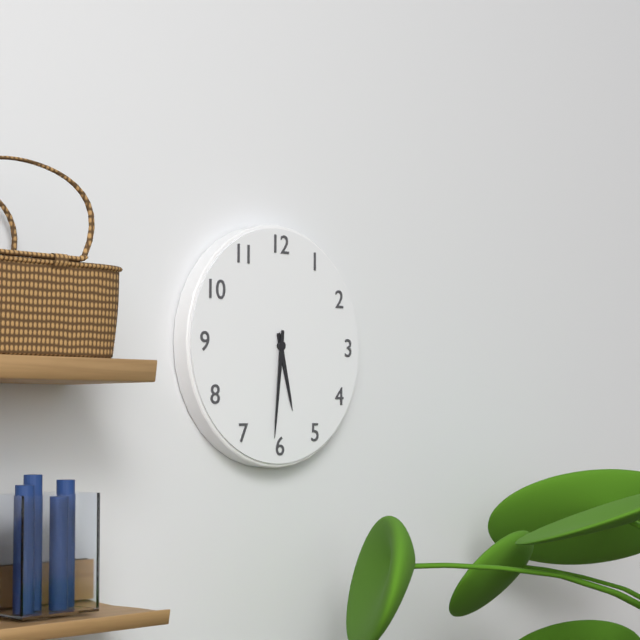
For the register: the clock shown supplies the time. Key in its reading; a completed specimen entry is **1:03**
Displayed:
**5:31**
